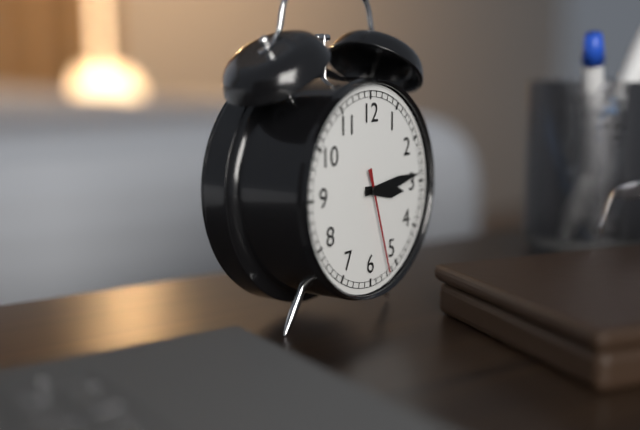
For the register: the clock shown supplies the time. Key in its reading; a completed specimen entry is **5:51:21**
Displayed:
**3:14:27**
